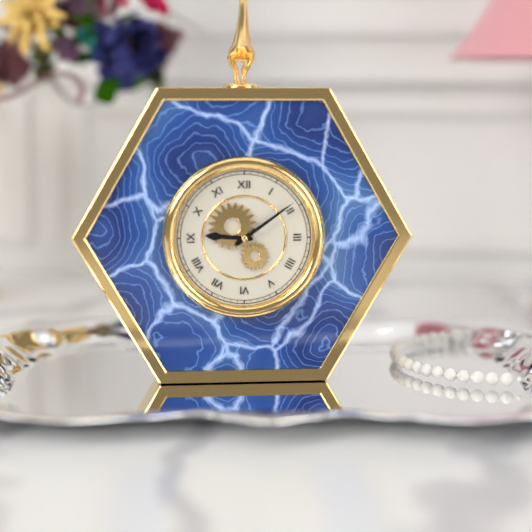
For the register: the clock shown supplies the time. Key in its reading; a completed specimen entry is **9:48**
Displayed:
**9:09**
